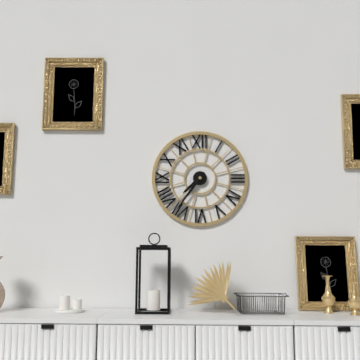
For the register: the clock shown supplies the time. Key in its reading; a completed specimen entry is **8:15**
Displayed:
**7:36**
